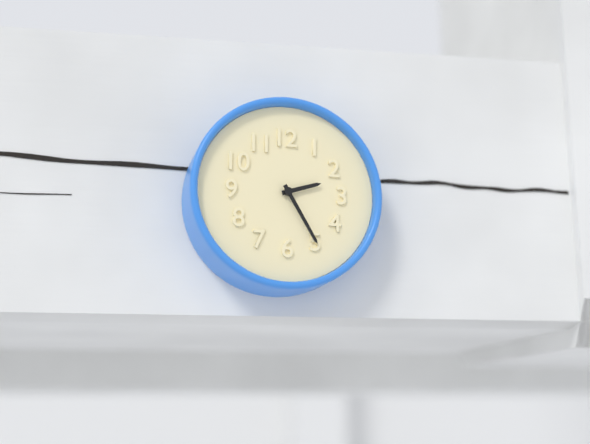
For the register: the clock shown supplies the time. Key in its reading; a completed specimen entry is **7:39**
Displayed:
**2:25**
